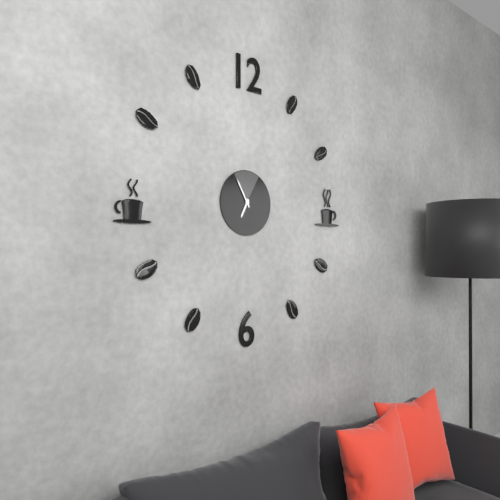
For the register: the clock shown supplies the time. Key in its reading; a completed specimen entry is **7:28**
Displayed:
**6:55**
